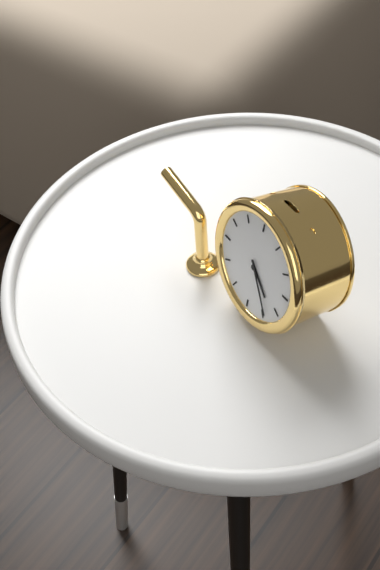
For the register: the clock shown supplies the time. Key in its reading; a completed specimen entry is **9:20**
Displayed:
**4:24**
